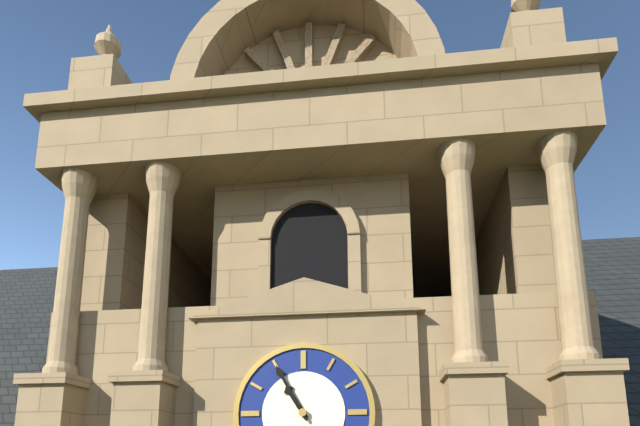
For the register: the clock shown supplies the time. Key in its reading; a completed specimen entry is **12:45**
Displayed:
**10:55**
